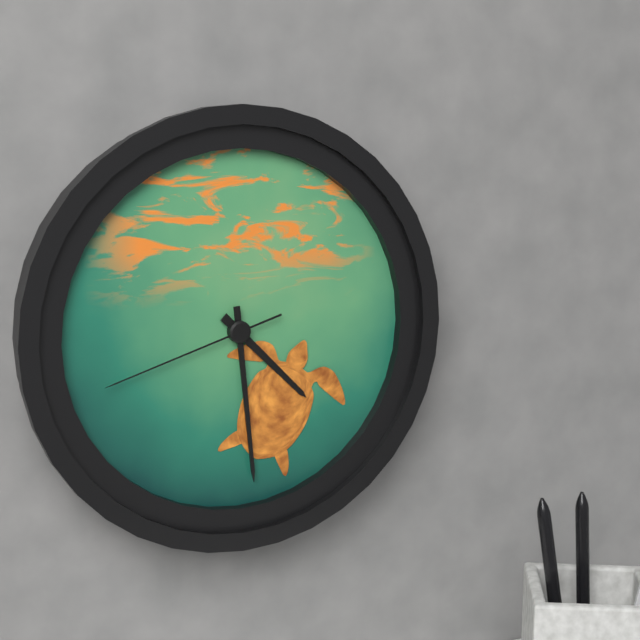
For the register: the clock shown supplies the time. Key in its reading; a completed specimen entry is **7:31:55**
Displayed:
**4:29:42**
